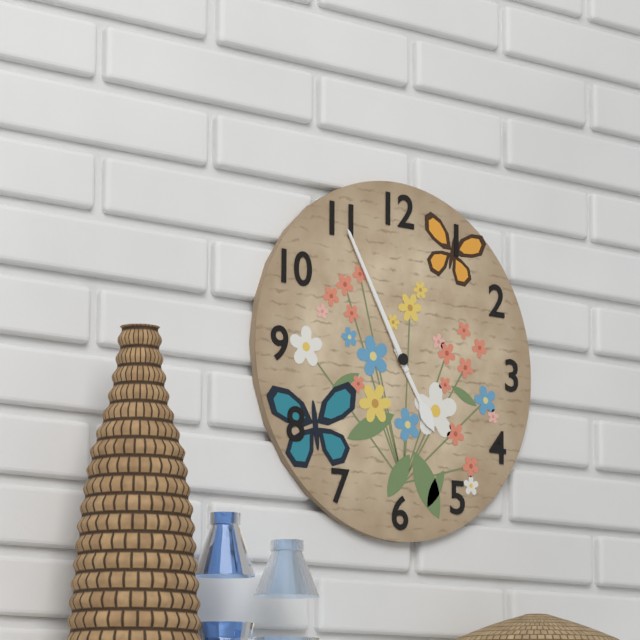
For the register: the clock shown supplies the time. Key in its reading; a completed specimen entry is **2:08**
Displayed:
**4:55**
